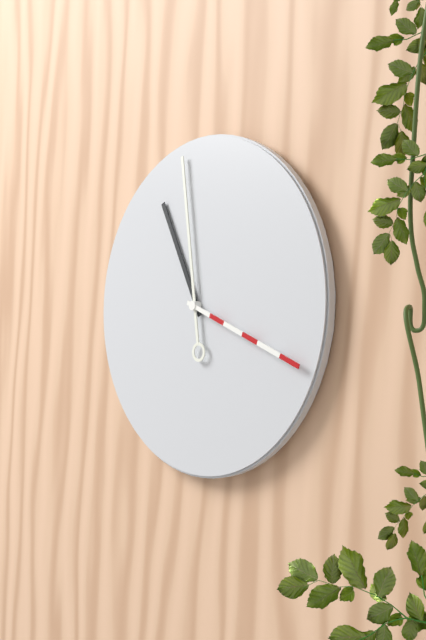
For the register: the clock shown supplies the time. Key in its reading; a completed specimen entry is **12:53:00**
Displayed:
**10:58:18**
